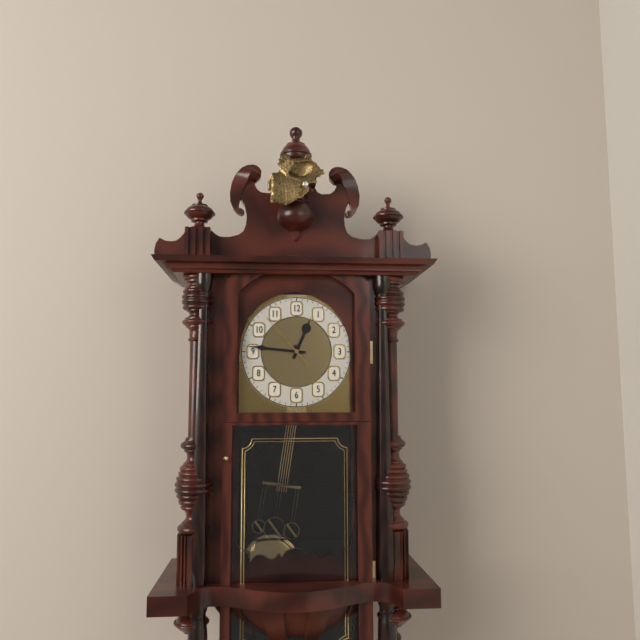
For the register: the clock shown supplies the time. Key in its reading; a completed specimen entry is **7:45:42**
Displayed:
**12:46:53**
